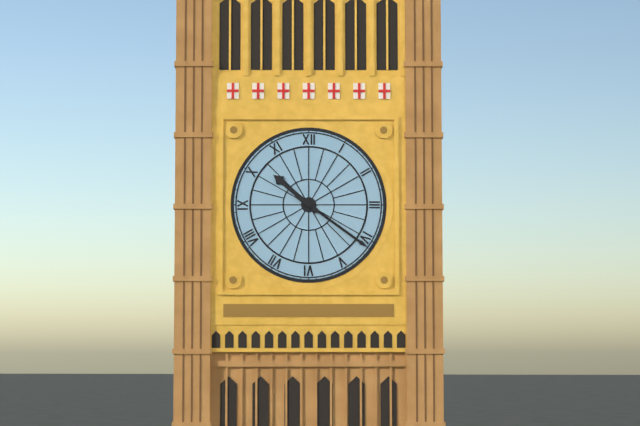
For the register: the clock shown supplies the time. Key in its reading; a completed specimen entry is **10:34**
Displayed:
**10:21**
